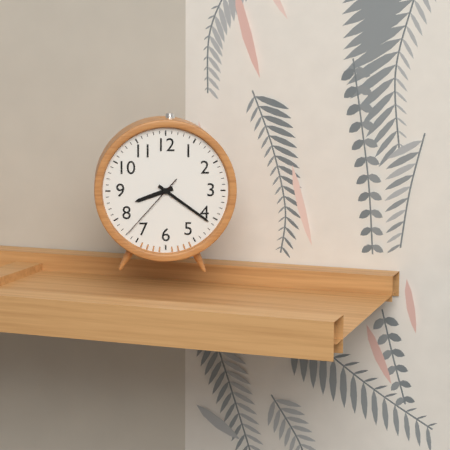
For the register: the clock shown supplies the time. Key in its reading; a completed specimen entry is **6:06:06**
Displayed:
**8:21:37**
